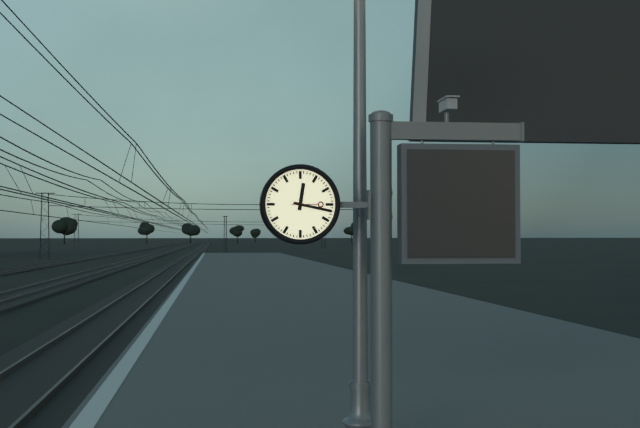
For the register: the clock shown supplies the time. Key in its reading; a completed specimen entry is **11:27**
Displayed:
**12:17**
